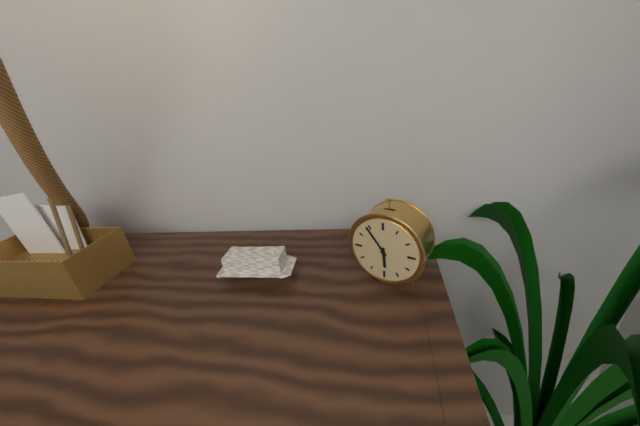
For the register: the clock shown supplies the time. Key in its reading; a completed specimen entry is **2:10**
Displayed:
**5:54**
